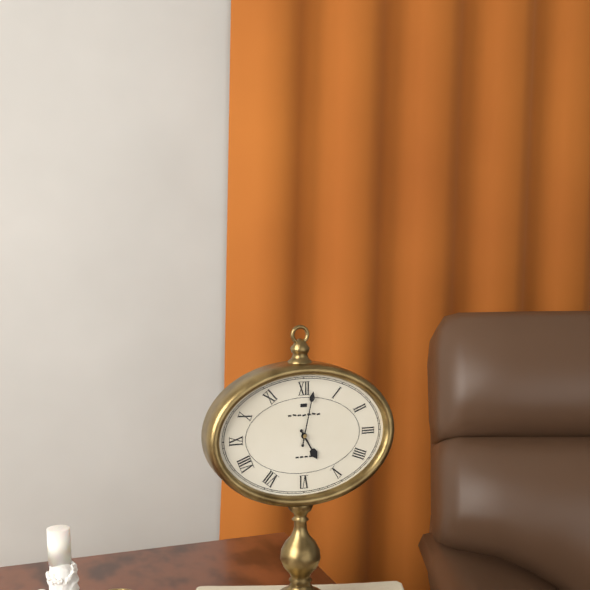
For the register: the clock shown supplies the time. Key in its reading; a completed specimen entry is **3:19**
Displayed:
**5:02**
